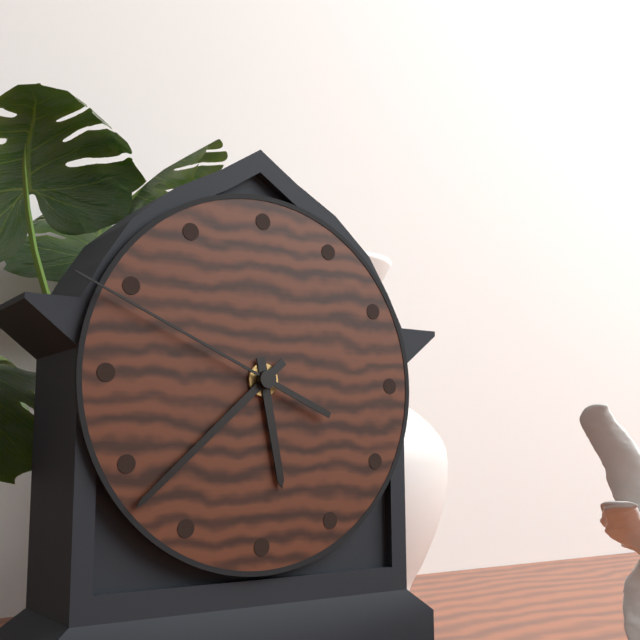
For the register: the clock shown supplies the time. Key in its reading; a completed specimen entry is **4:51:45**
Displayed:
**5:38:49**
